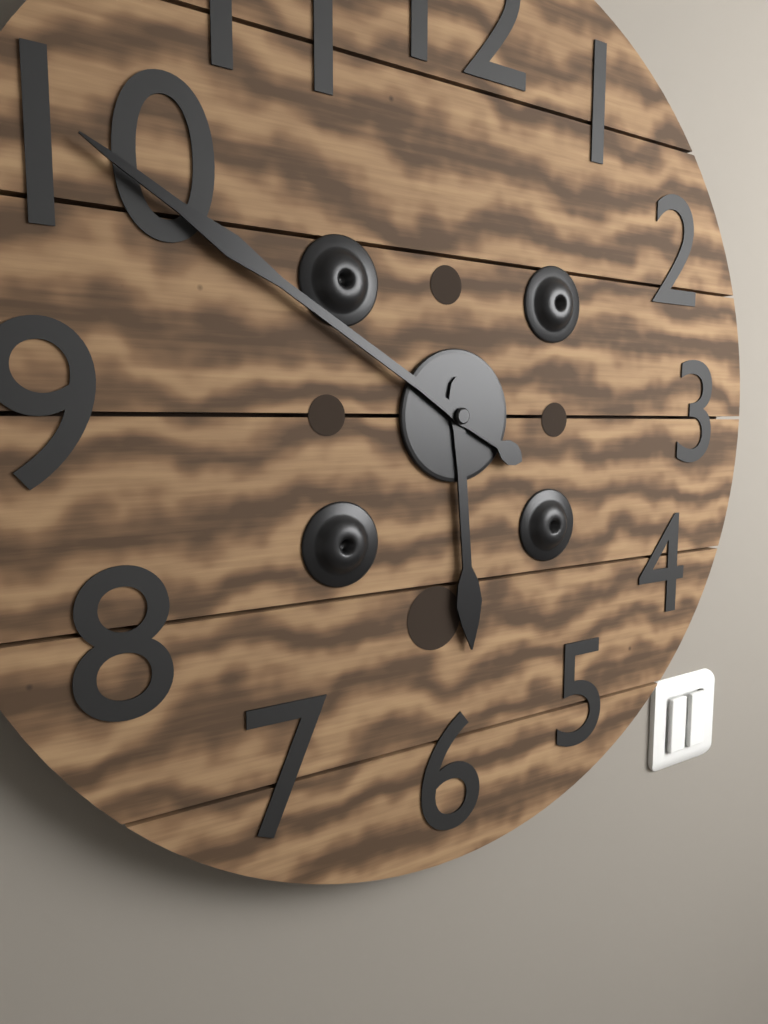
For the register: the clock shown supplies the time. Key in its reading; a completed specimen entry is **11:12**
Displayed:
**5:50**
